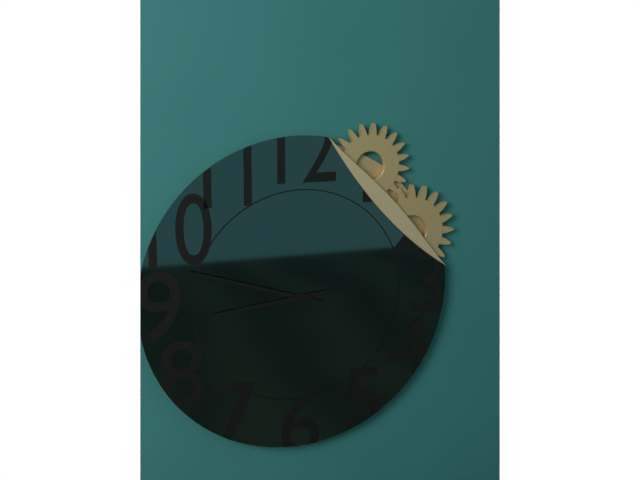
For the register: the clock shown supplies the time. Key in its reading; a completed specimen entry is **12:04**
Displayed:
**8:48**
